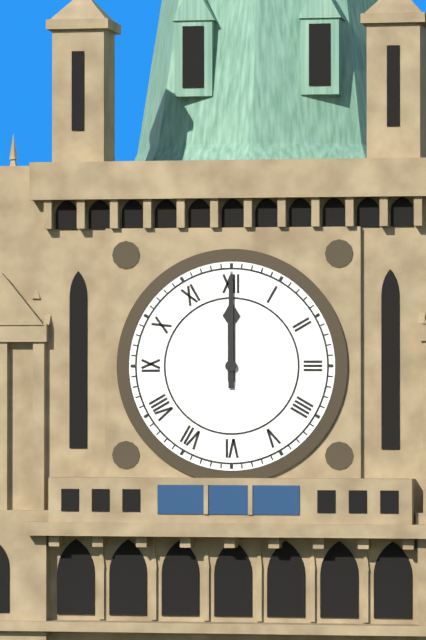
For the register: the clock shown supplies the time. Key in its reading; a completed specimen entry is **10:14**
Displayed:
**12:00**
